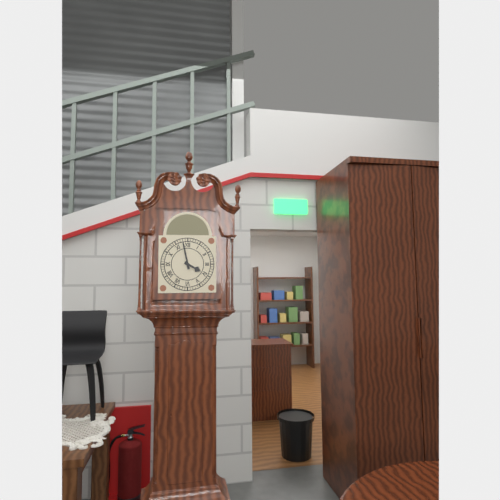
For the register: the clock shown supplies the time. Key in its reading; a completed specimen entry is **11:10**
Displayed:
**3:58**
